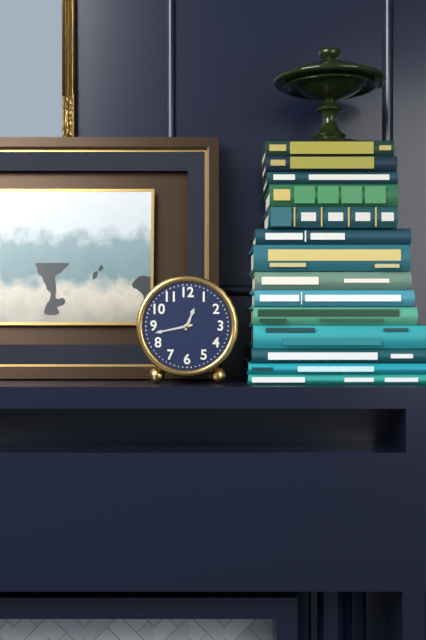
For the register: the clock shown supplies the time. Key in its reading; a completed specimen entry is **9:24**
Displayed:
**12:43**
